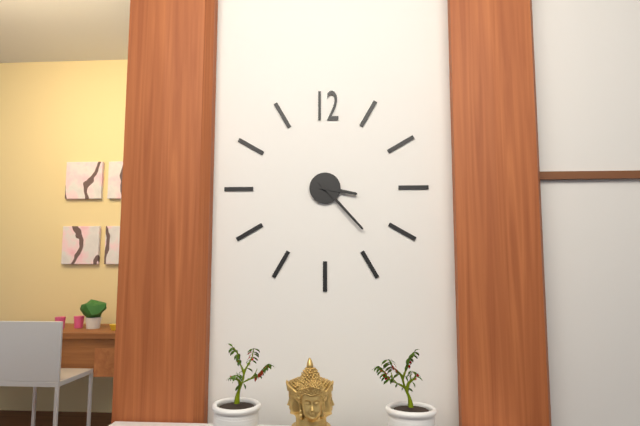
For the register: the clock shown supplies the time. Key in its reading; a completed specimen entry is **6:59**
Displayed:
**3:23**
